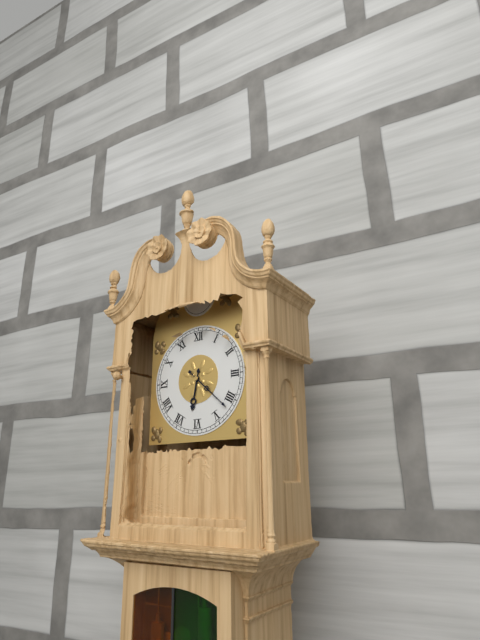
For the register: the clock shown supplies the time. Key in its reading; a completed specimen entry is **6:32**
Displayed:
**6:22**
